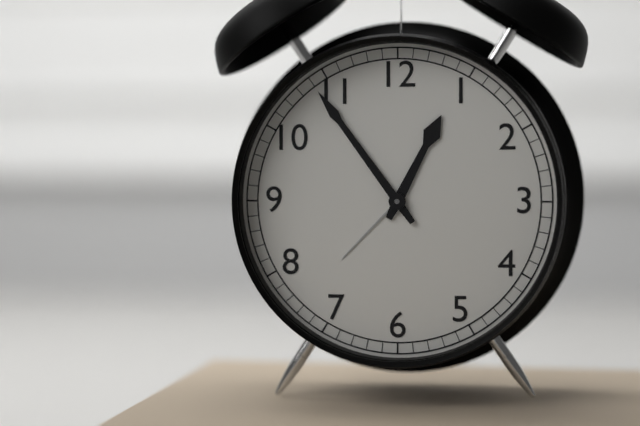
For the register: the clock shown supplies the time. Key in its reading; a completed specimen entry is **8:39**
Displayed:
**12:54**
